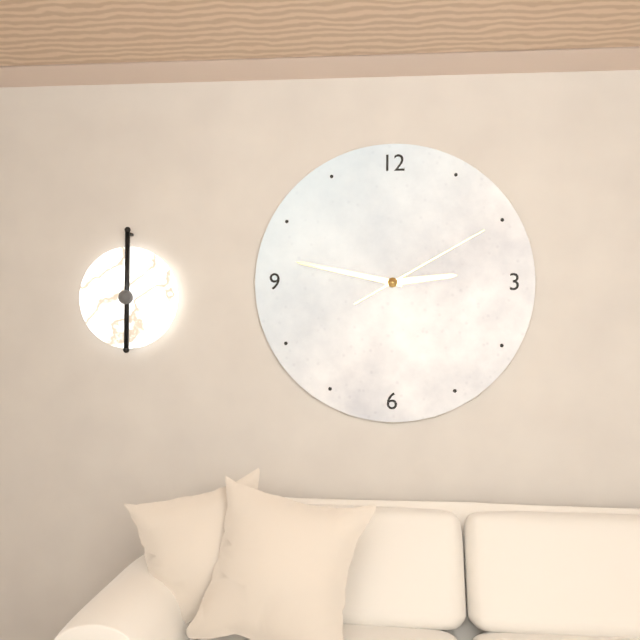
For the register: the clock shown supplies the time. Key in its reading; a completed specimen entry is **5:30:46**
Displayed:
**2:47:10**
